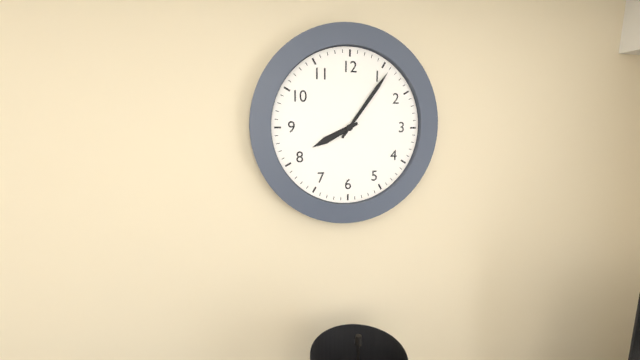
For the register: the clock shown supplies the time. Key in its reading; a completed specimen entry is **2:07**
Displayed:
**8:06**
